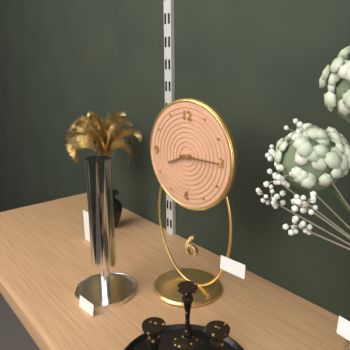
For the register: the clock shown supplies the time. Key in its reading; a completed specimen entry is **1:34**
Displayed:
**8:15**
